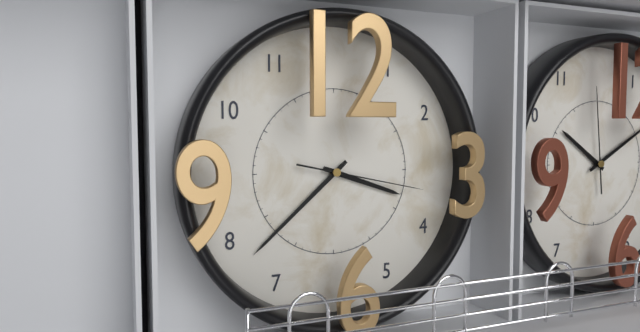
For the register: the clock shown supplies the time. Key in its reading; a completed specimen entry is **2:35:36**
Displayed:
**3:38:17**
